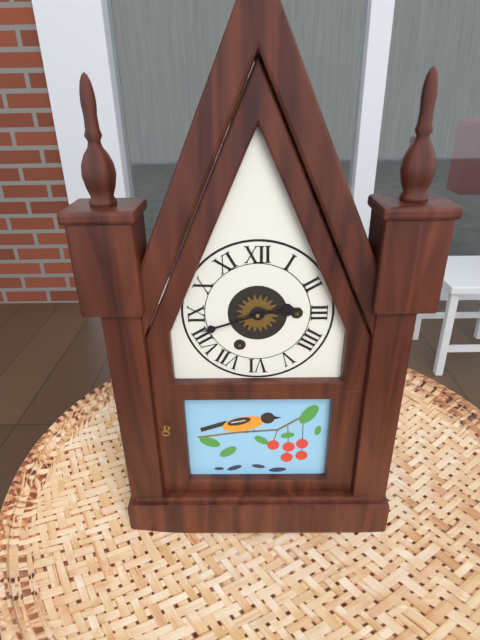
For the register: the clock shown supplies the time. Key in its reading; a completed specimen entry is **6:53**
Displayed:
**2:42**
